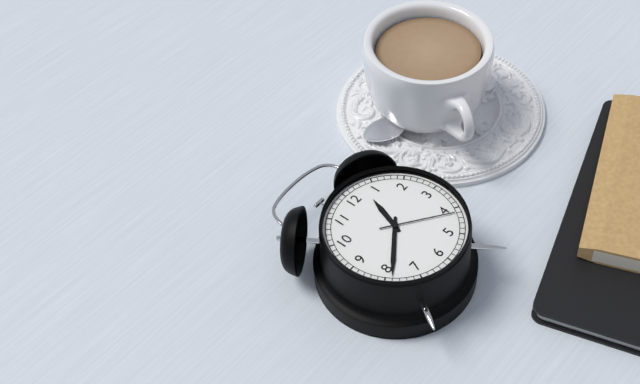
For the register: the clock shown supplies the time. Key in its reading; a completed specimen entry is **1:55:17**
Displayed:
**12:39:21**
